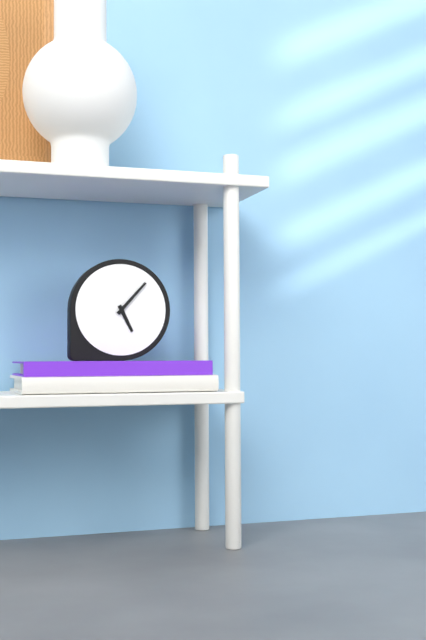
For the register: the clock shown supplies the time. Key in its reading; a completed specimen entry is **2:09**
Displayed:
**5:07**
